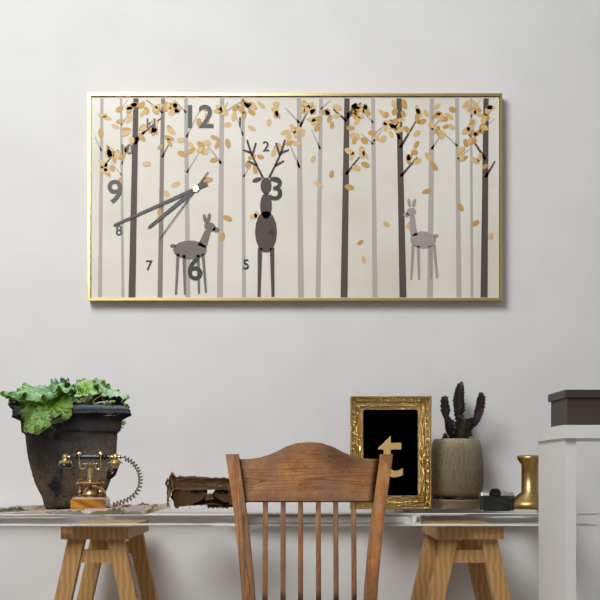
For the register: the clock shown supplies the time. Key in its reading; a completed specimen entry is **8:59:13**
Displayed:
**7:41:36**
